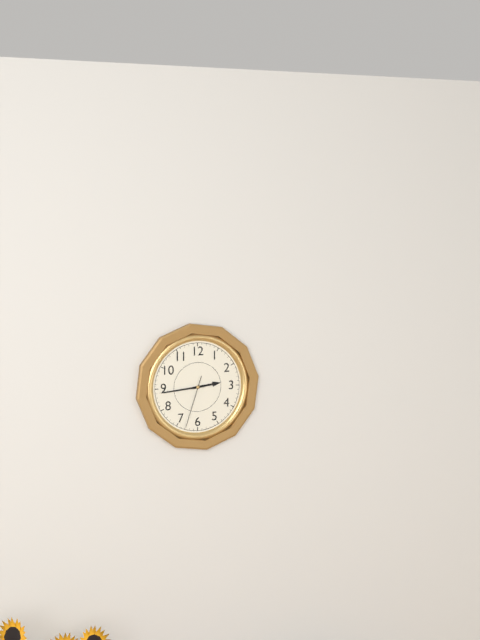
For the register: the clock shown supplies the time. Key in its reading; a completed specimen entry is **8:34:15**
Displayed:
**2:44:33**
